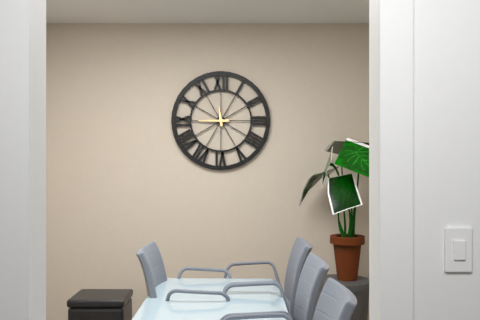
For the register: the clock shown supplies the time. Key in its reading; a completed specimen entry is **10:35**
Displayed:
**11:45**
